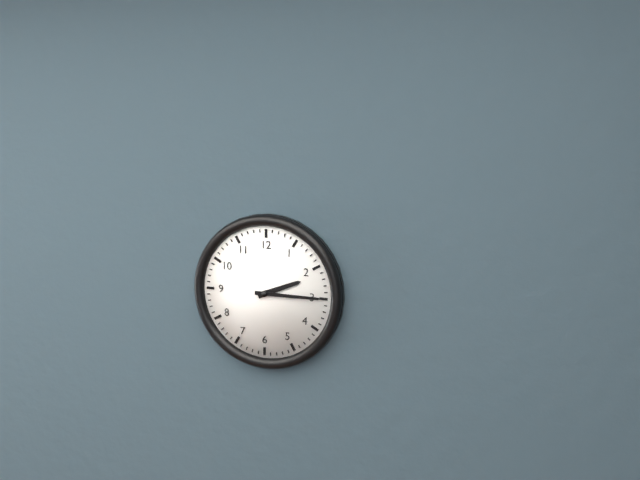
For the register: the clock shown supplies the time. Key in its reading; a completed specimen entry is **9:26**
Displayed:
**2:15**
